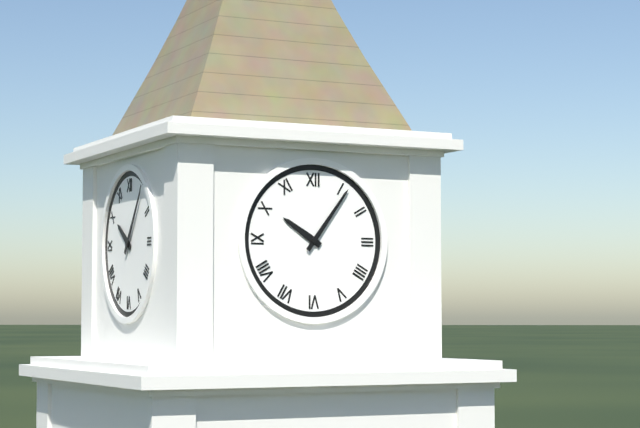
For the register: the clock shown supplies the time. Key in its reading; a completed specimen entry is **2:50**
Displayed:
**10:06**
